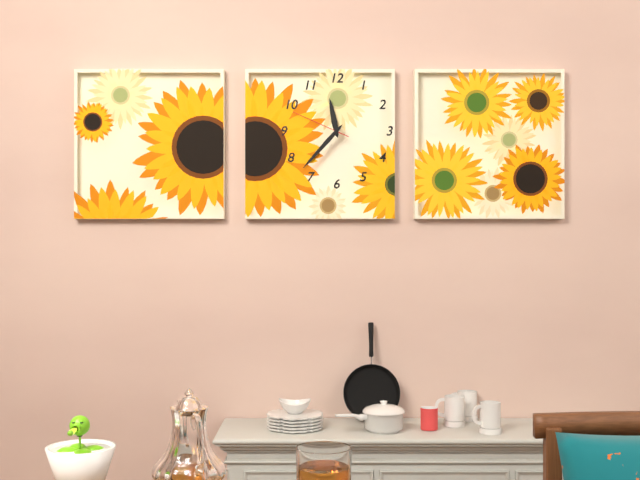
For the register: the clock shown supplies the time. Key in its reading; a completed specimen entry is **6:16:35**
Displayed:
**11:37:49**
